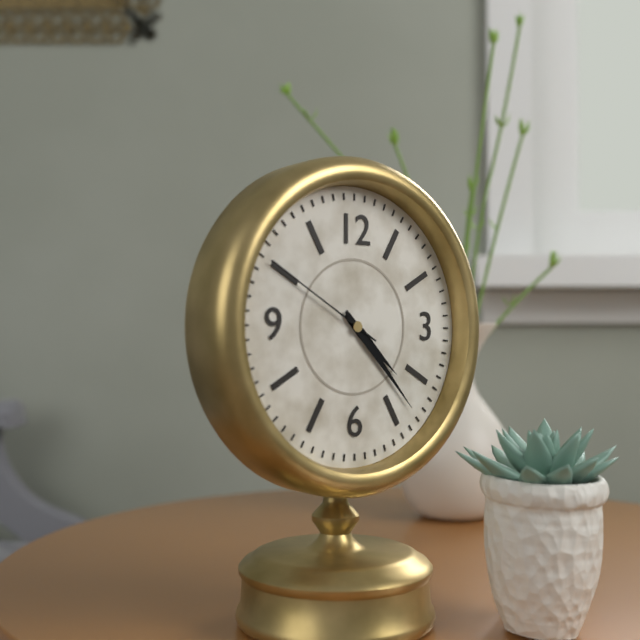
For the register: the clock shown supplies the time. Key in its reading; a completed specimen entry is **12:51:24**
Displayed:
**4:23:50**
